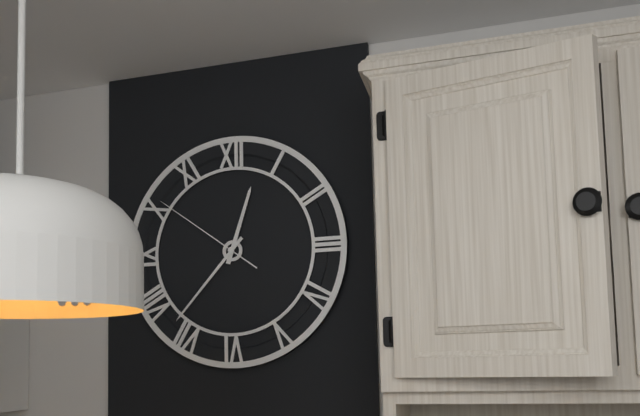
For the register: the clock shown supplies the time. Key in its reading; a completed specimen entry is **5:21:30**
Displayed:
**12:37:51**
